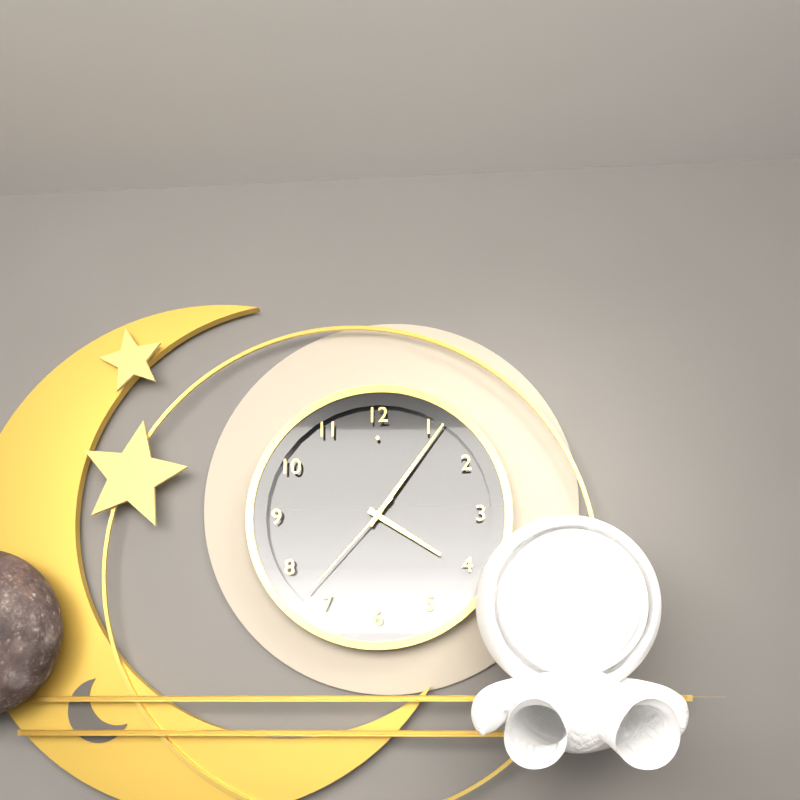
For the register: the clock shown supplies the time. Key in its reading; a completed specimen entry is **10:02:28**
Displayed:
**4:06:37**
